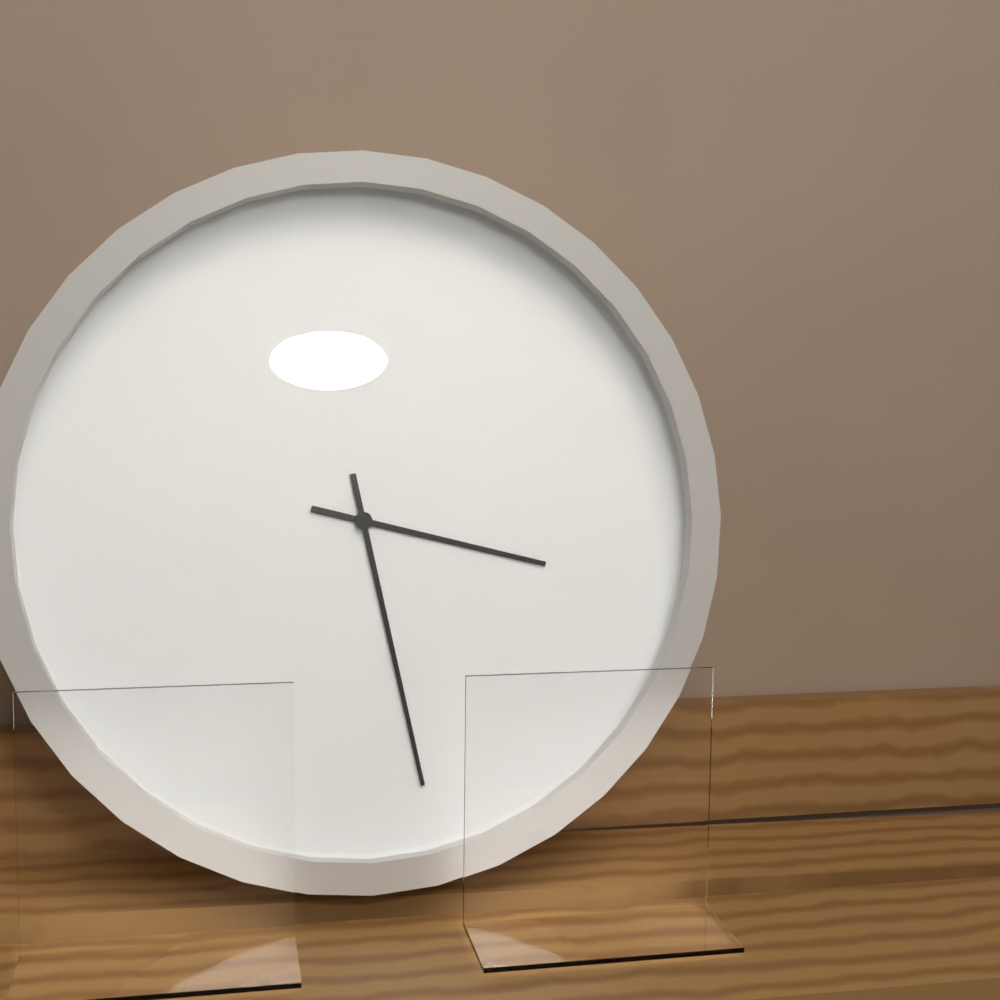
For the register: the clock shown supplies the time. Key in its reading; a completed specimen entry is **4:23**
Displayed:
**3:28**
